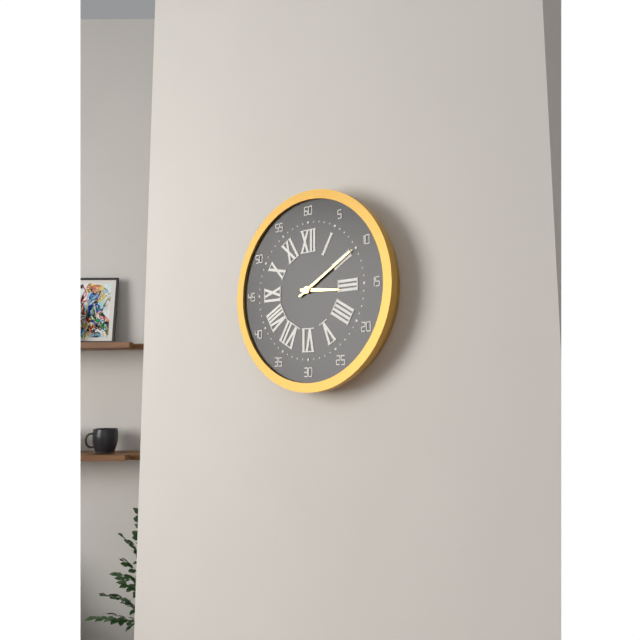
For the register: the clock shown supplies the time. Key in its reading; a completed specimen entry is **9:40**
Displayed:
**3:10**
